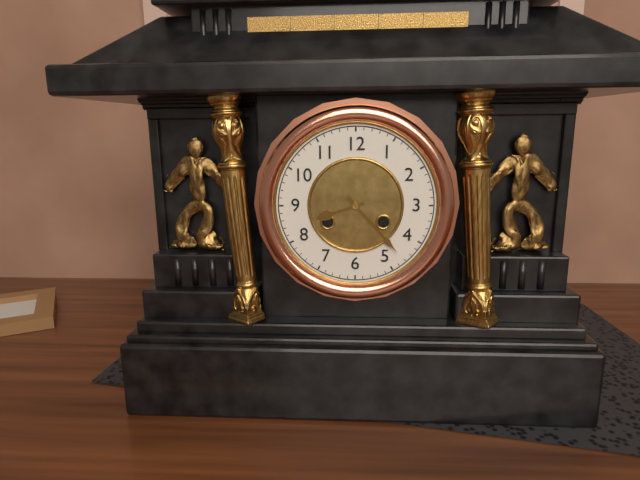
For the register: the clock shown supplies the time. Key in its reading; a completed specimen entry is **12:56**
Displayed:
**8:23**
